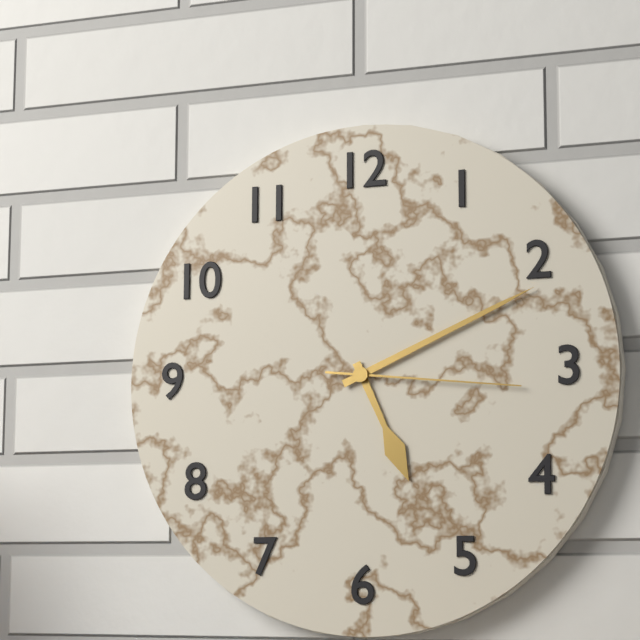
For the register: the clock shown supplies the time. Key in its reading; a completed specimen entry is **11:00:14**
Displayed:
**5:11:16**
